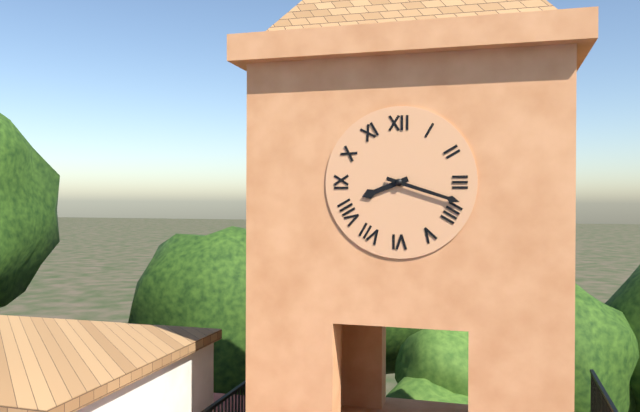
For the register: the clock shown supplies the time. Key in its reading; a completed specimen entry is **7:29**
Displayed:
**8:18**
